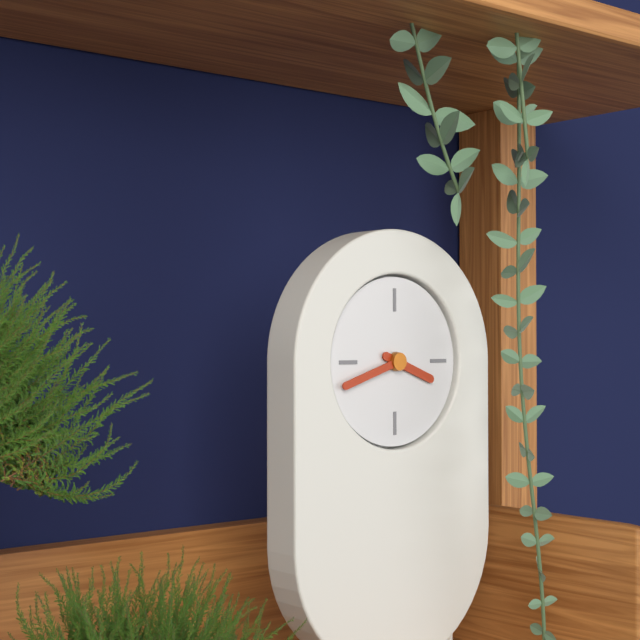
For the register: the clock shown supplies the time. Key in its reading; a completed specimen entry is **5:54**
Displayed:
**3:42**
